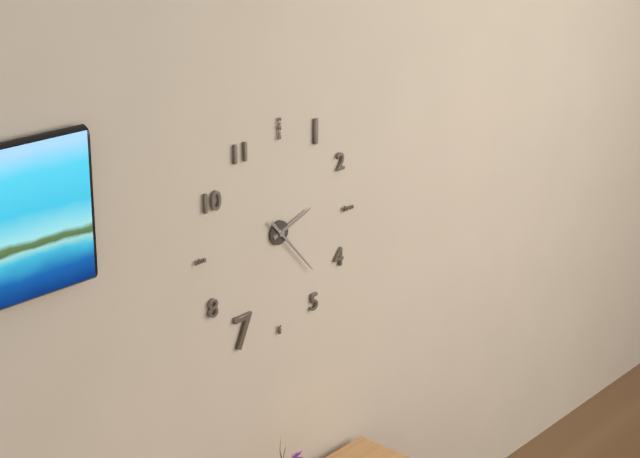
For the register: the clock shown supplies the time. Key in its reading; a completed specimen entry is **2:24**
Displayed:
**2:23**
